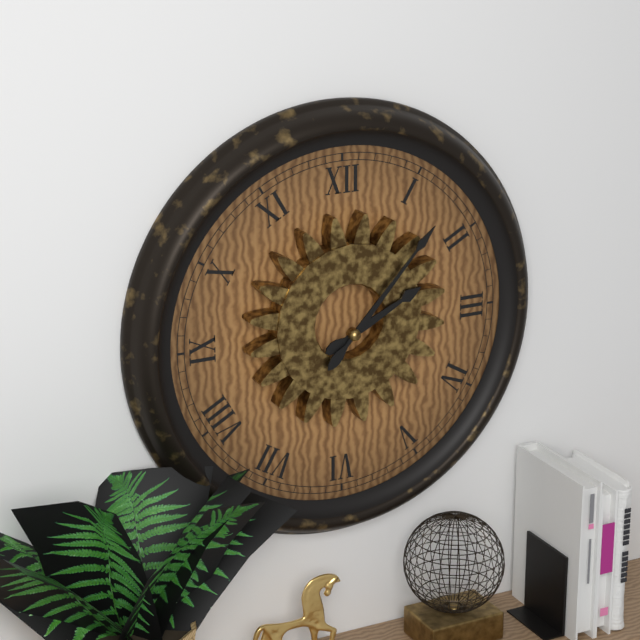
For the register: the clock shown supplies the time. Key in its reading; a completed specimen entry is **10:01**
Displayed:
**2:07**
